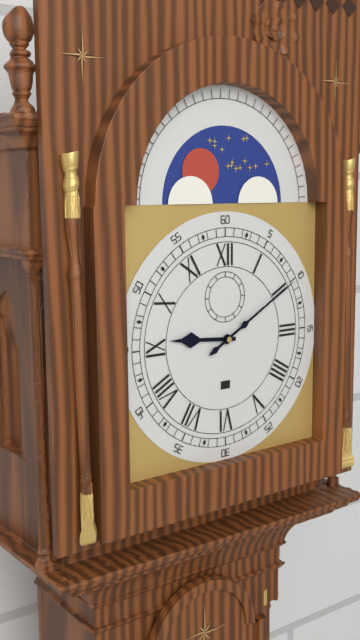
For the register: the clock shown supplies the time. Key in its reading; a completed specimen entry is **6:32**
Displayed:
**9:10**
